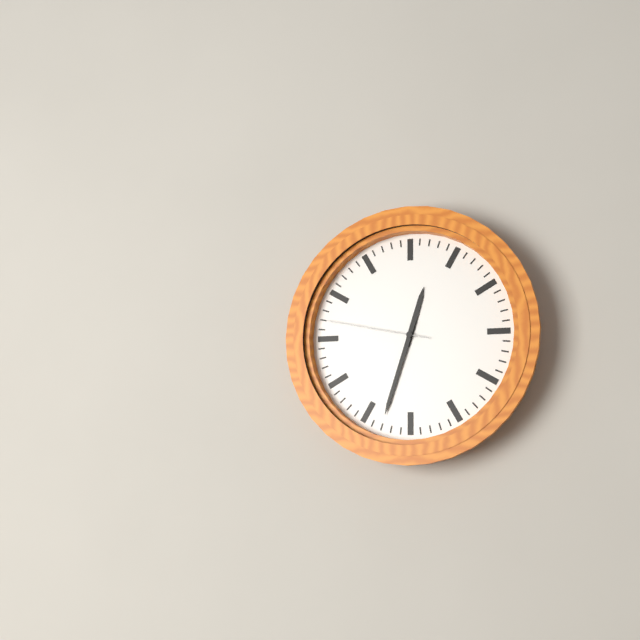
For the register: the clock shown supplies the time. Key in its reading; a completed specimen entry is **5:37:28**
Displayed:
**12:33:47**
